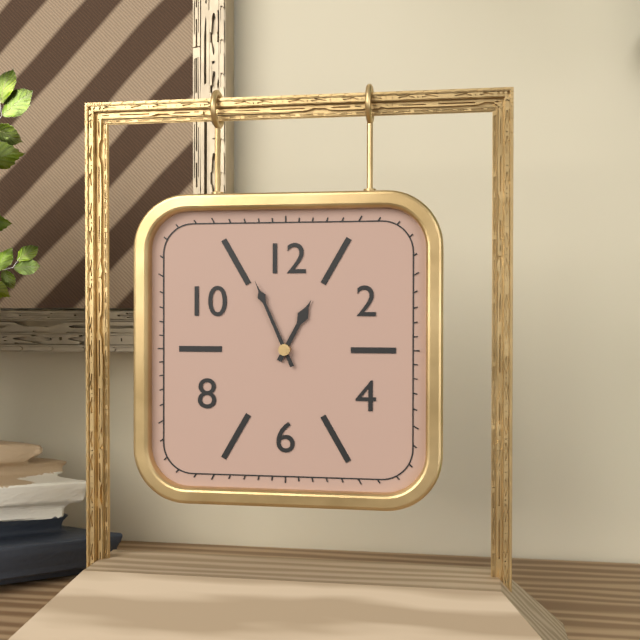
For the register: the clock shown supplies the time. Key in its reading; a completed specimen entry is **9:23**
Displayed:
**12:56**
